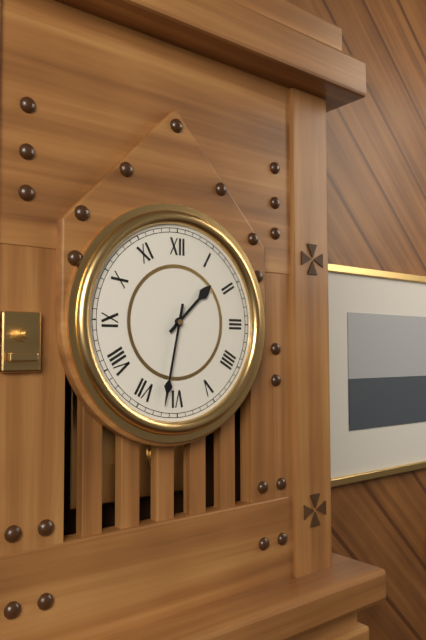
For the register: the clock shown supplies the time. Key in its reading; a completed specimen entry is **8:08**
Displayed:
**1:32**
